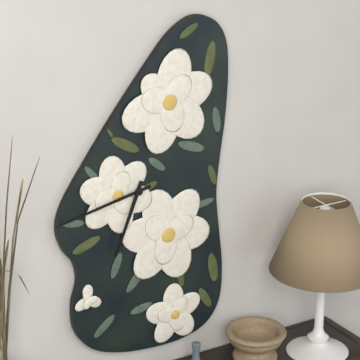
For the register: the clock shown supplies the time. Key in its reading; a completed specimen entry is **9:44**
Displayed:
**6:43**
